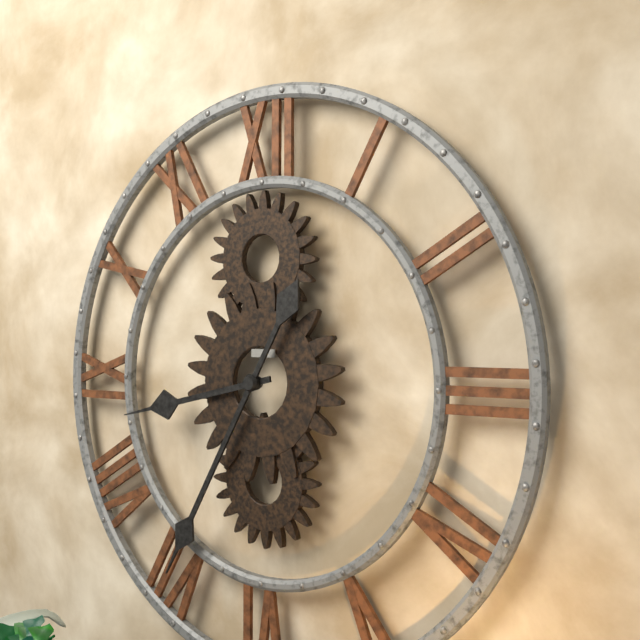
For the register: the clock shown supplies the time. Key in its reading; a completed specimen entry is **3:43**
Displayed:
**8:35**
